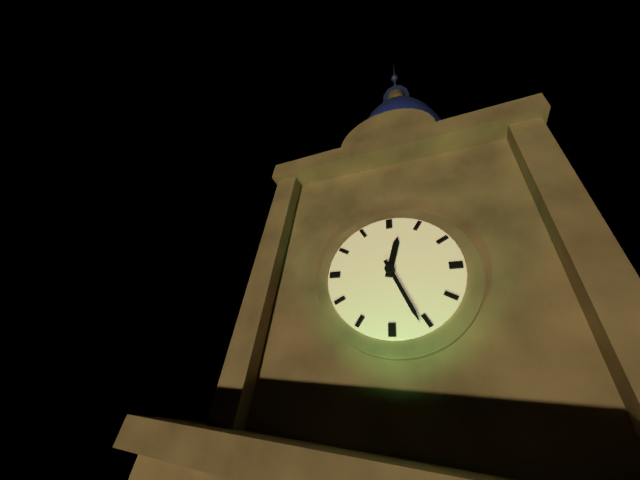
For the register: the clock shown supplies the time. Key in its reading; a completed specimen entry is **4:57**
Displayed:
**12:26**
